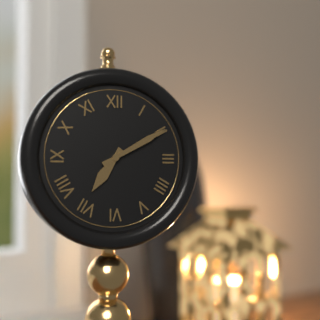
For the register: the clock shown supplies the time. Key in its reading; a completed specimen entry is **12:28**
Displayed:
**7:10**
